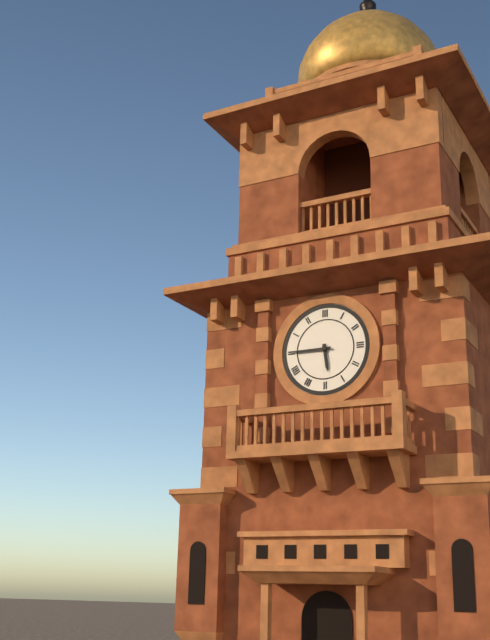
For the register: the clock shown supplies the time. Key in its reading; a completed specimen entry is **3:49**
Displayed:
**5:45**
